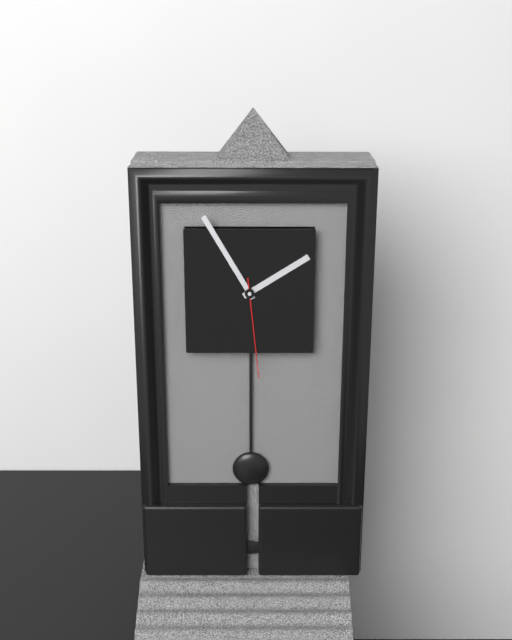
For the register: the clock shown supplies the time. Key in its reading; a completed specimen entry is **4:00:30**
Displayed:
**1:55:29**
